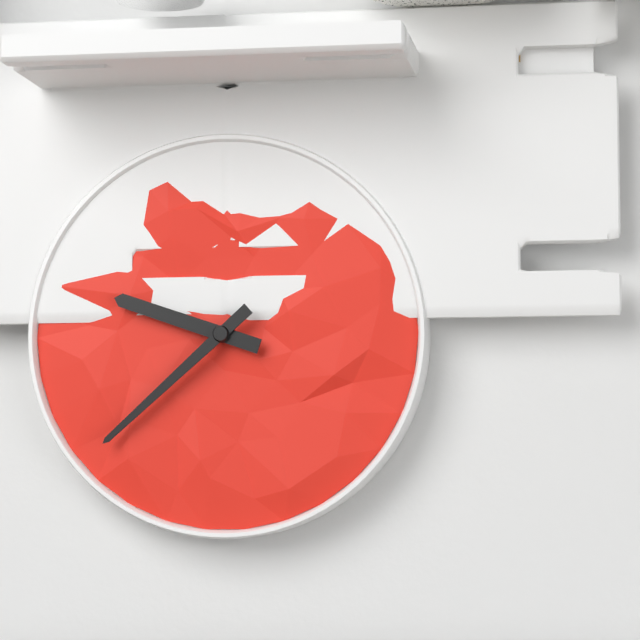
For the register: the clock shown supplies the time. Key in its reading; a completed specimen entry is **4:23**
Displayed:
**9:38**
